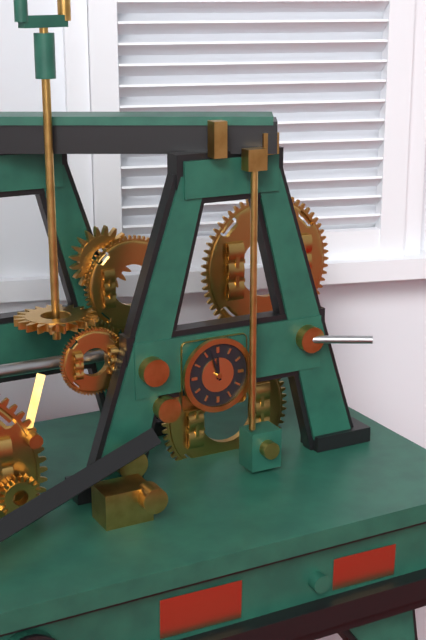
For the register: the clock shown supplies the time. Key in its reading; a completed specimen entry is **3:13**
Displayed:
**11:57**
